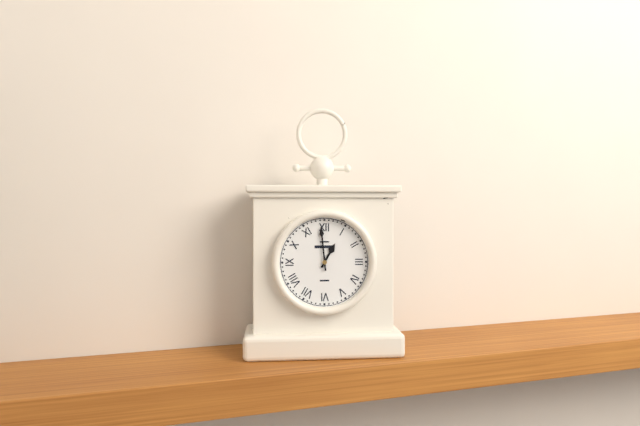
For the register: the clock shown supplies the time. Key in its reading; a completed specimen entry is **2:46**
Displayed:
**12:59**
